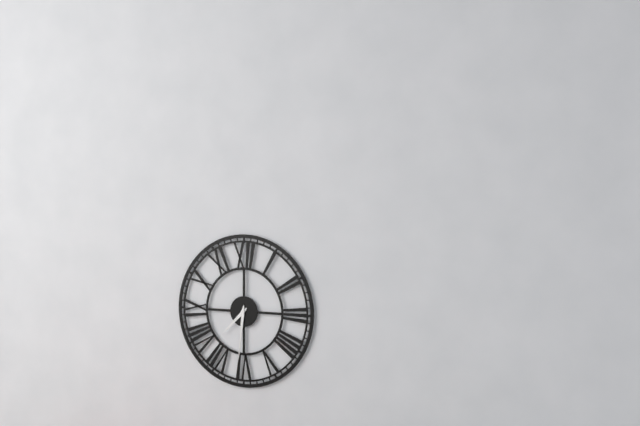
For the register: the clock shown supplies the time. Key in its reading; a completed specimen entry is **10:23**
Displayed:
**7:31**
